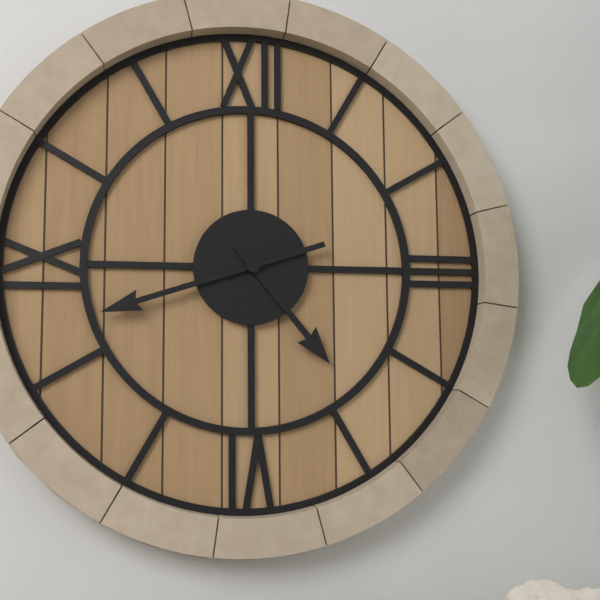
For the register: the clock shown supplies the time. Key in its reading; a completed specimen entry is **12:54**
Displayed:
**4:42**
